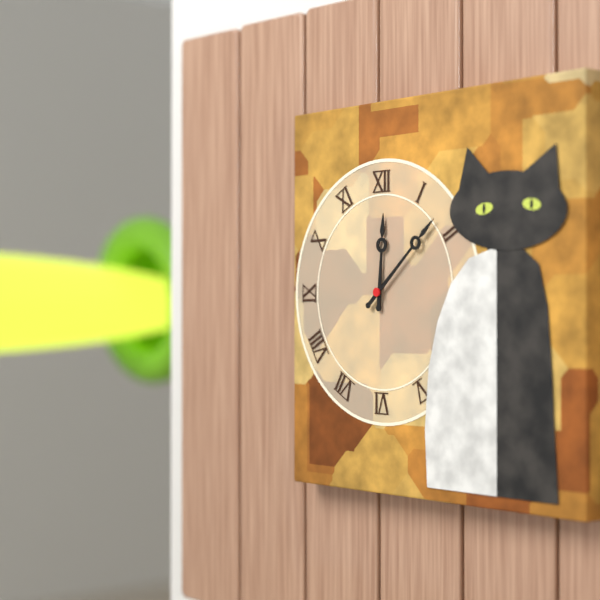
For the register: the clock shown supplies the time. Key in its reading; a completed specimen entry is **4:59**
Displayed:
**12:08**
